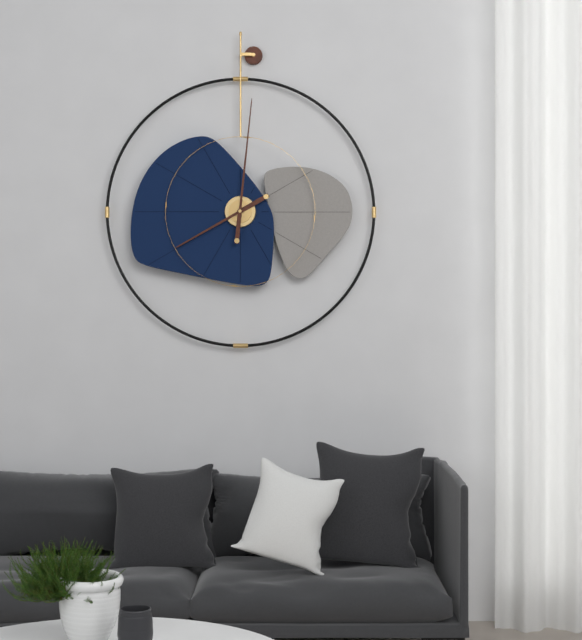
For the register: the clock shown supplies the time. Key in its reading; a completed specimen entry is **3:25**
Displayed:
**8:01**
